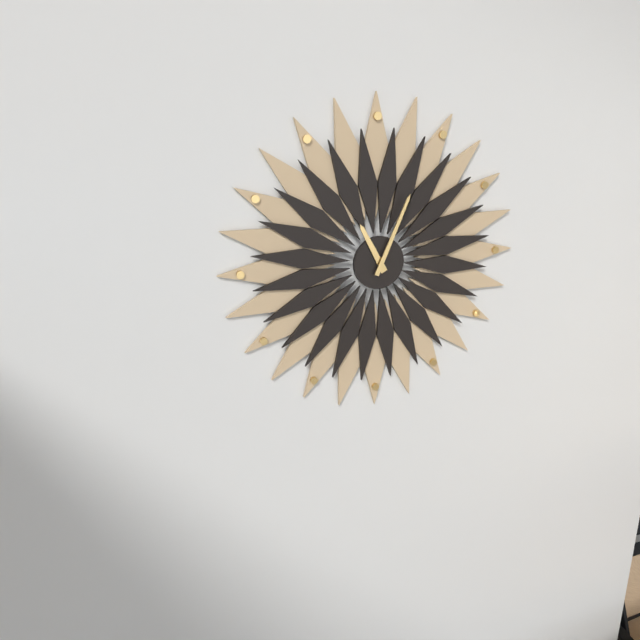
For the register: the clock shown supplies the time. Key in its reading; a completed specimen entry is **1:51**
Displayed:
**11:04**
